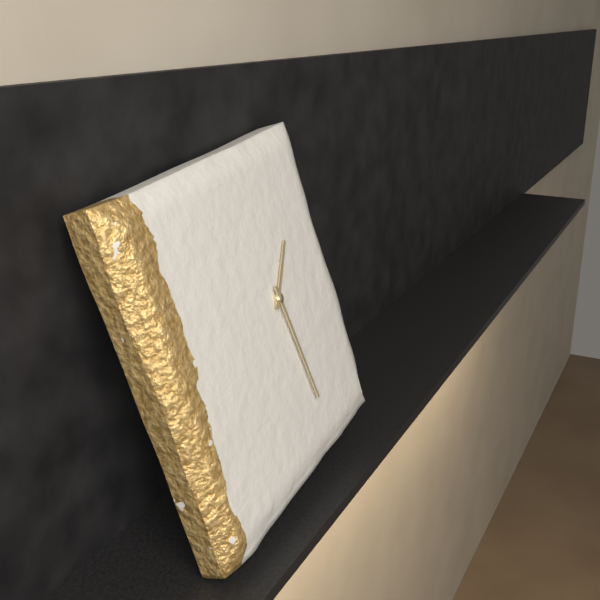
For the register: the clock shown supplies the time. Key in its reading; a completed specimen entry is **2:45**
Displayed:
**1:29**
